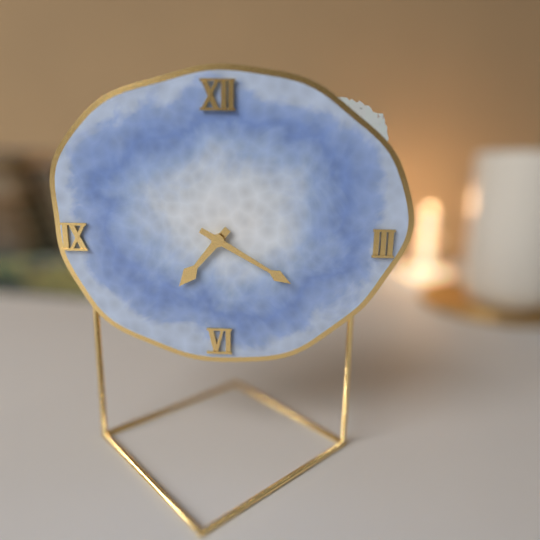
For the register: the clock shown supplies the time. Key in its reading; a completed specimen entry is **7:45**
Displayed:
**7:20**
